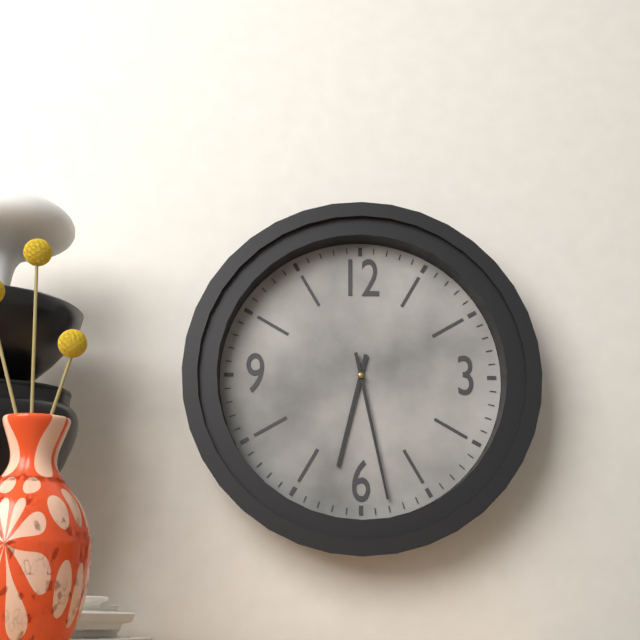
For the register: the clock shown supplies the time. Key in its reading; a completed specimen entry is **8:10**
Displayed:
**6:28**
